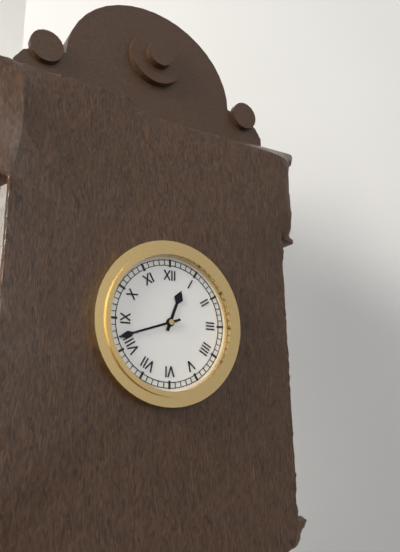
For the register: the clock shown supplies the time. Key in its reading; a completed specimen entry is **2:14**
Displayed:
**12:42**
